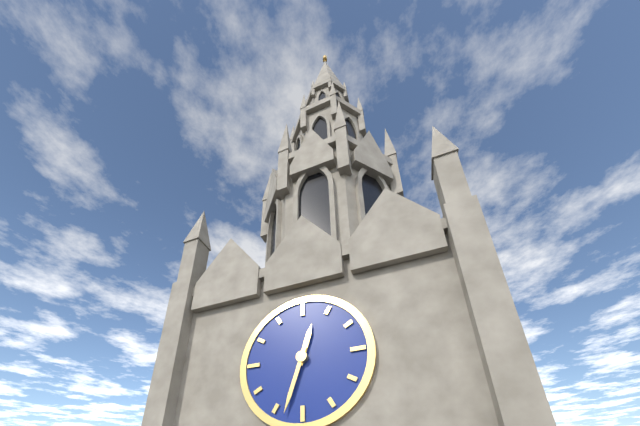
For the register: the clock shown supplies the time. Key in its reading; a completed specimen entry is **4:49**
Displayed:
**12:33**
